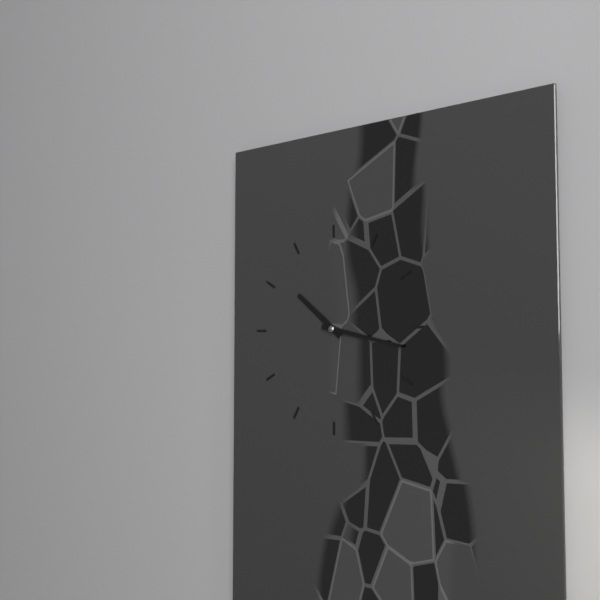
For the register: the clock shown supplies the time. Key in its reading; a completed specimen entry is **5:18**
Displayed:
**10:17**
